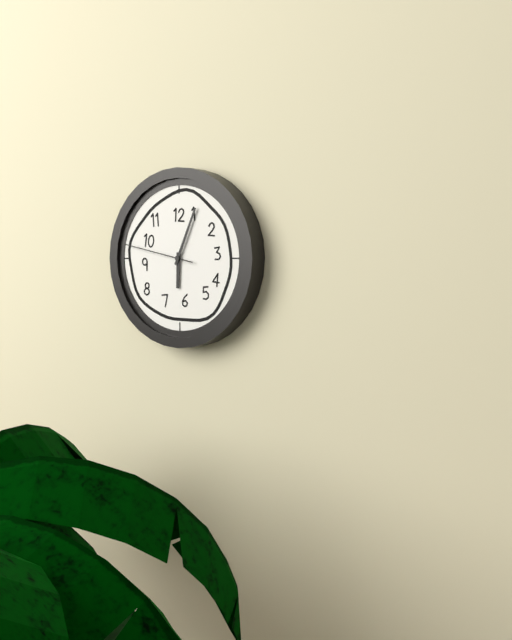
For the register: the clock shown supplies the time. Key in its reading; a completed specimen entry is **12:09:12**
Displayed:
**6:04:47**
